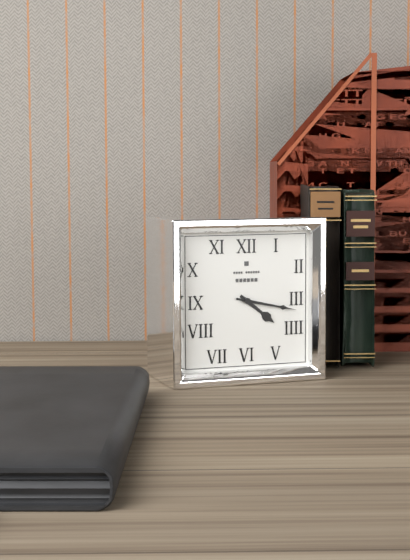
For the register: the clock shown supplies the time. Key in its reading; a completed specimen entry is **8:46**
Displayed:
**4:17**
